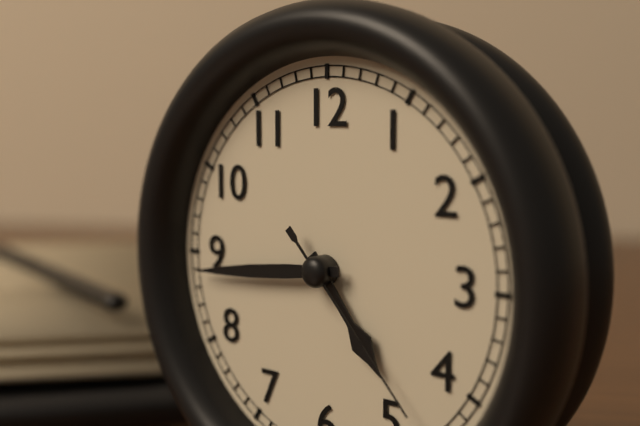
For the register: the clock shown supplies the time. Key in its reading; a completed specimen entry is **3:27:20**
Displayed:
**4:44:23**
